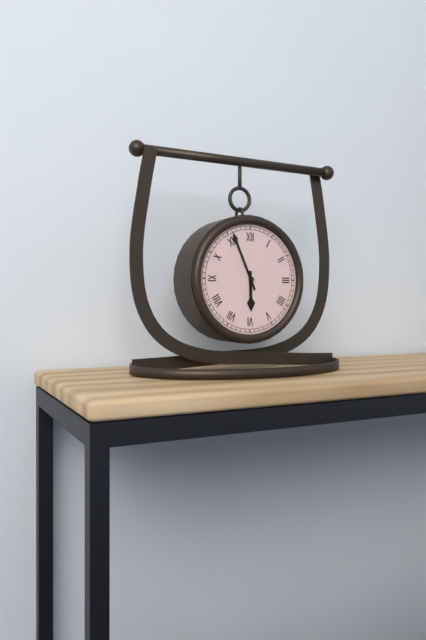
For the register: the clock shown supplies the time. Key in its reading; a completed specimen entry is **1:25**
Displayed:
**5:56**
